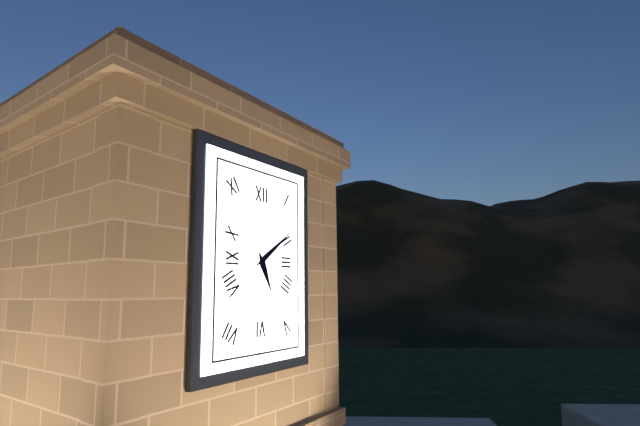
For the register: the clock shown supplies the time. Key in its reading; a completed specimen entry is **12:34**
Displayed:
**5:09**
